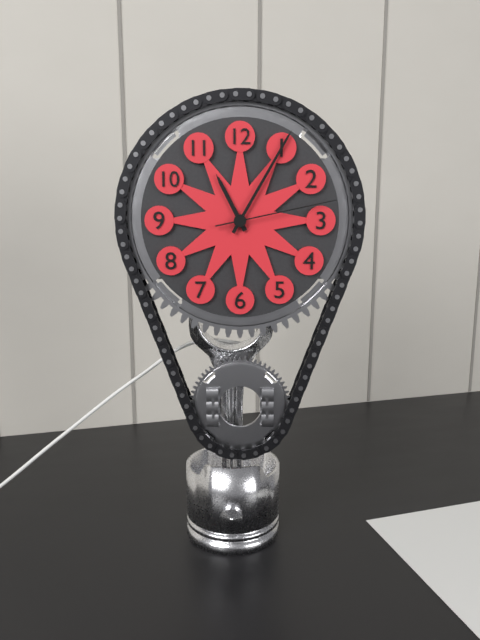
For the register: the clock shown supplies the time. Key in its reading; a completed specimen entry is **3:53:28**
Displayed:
**11:05:13**
